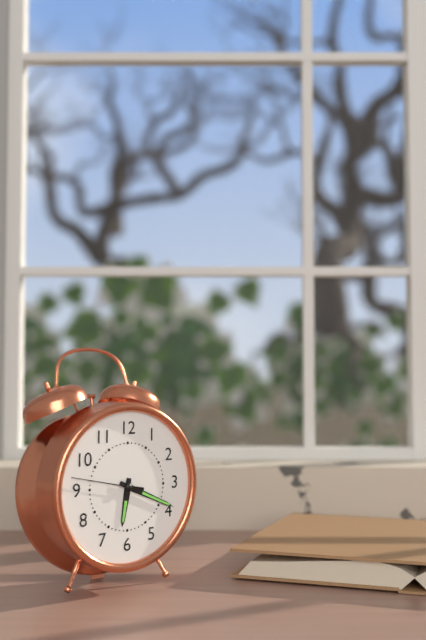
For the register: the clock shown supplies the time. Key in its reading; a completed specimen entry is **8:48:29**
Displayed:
**6:19:47**
